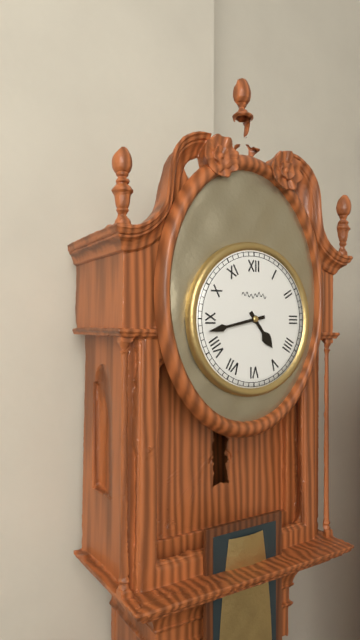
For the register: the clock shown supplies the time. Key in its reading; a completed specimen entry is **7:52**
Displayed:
**4:43**
